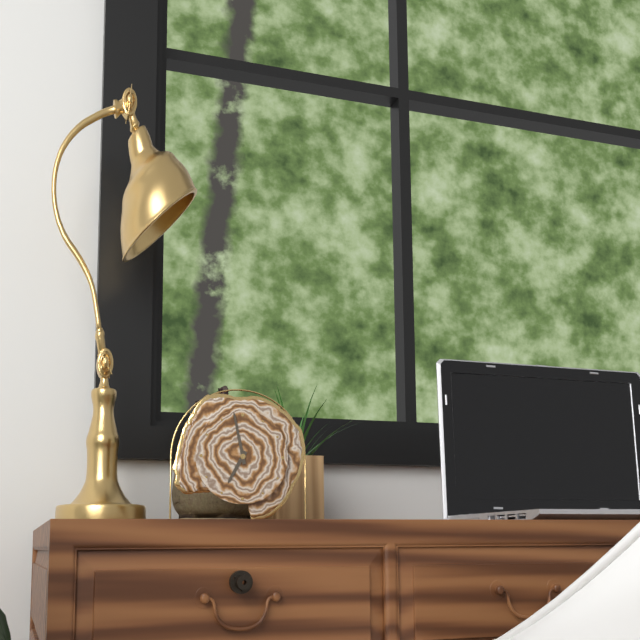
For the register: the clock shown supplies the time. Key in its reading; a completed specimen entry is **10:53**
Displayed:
**6:58**
